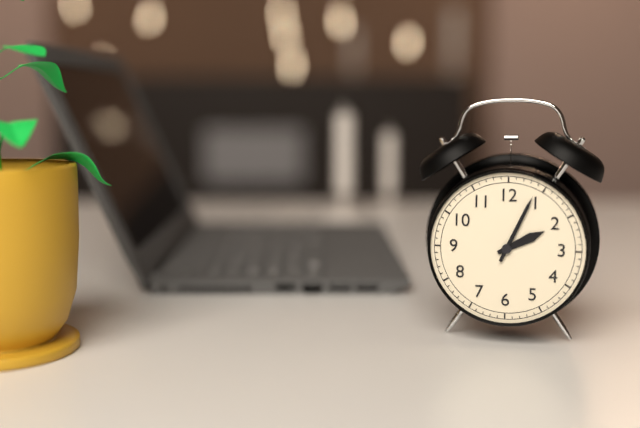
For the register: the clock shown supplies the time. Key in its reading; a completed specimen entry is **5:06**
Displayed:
**2:04**
